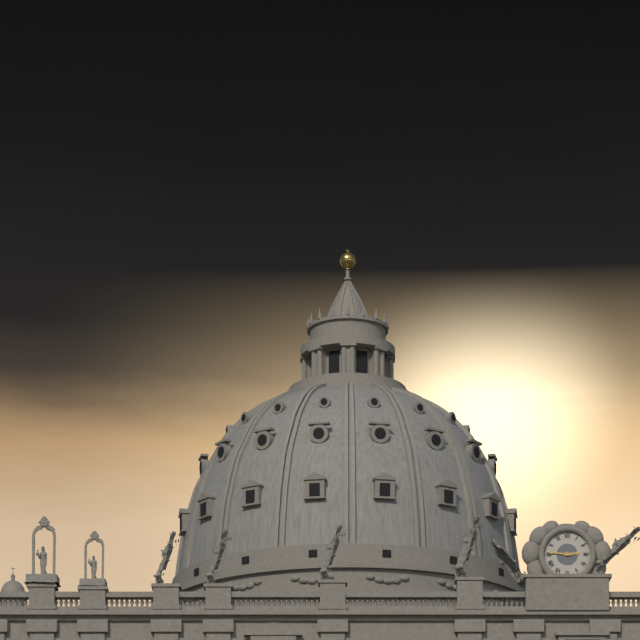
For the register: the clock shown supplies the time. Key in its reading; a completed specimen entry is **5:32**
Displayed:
**2:46**
